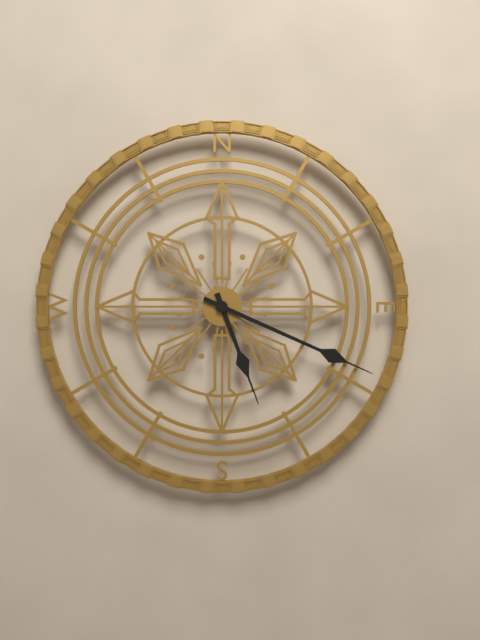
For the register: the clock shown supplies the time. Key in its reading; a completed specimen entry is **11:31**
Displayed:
**5:19**
